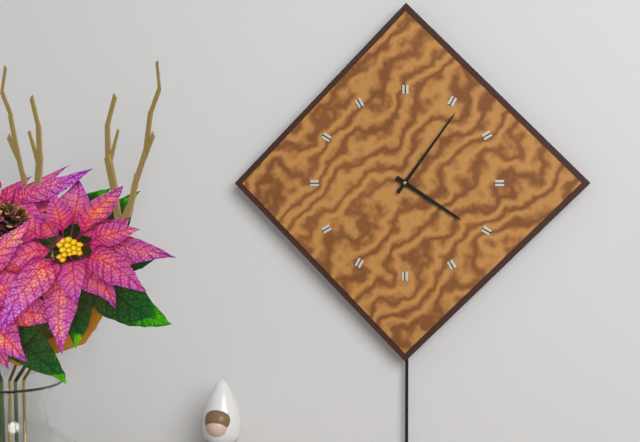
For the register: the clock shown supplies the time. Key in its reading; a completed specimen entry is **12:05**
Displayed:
**4:06**
